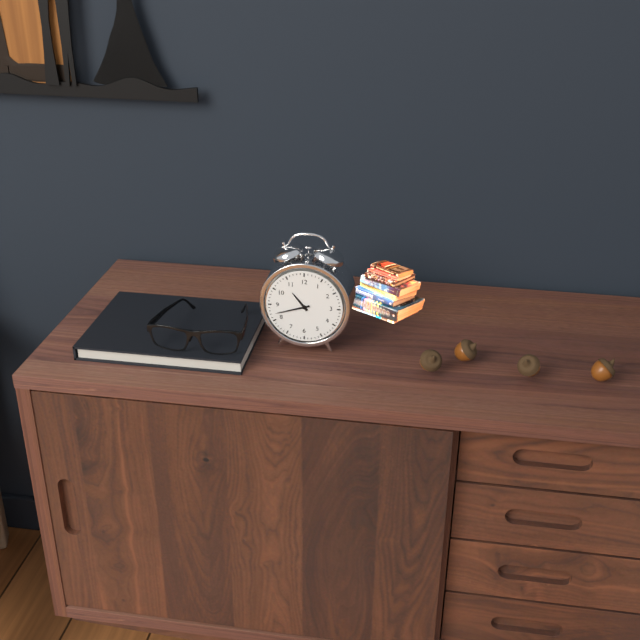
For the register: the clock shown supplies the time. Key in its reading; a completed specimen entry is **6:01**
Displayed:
**10:42**
